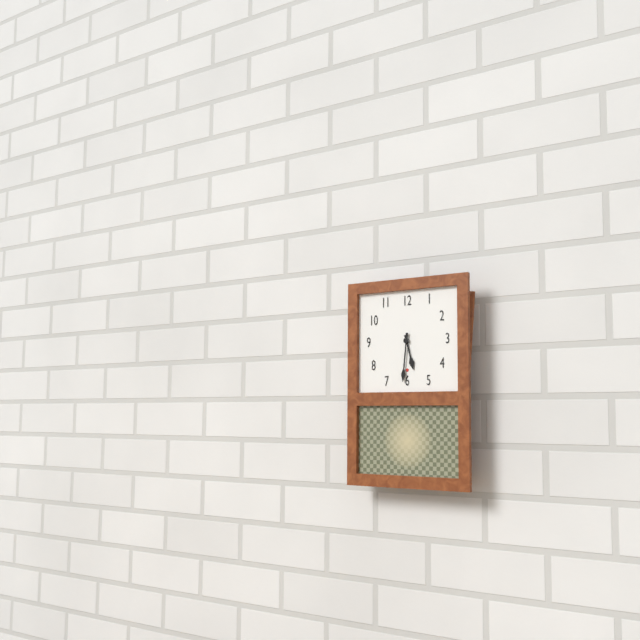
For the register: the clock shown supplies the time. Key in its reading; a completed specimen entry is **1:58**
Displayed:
**5:31**
